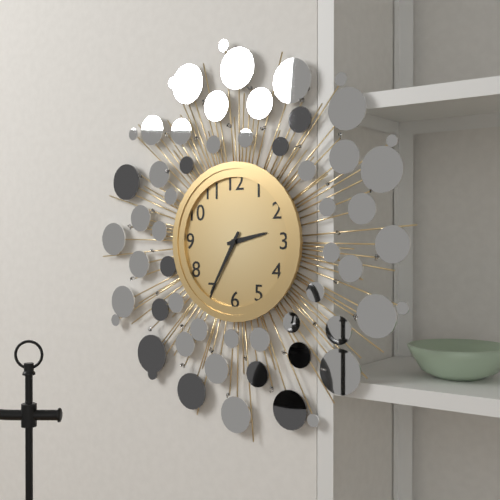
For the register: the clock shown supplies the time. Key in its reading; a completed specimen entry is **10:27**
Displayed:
**2:35**
